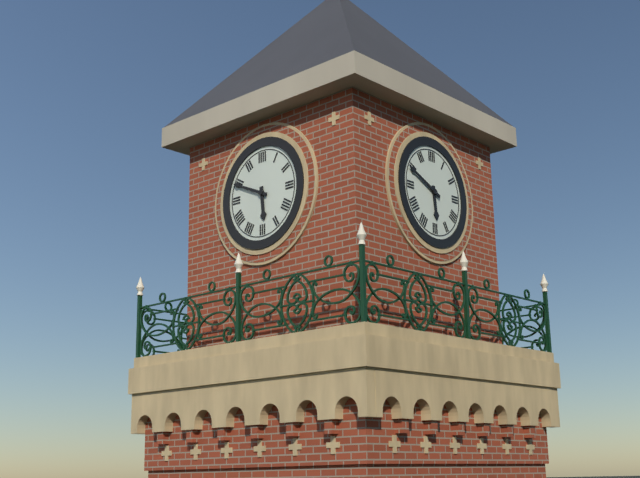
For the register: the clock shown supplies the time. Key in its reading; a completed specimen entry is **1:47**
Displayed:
**5:49**
